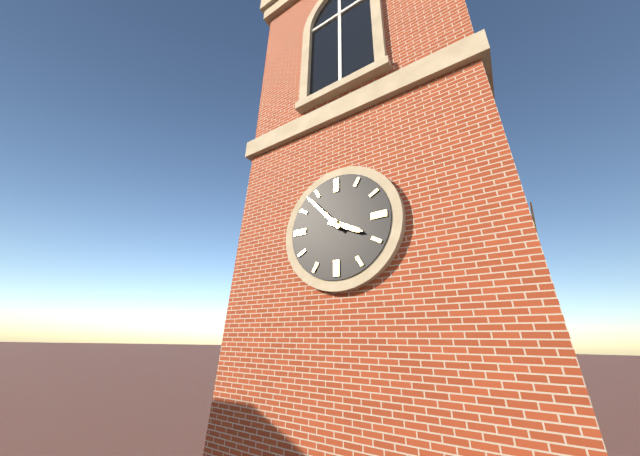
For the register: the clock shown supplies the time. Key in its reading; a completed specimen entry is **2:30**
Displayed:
**3:53**
